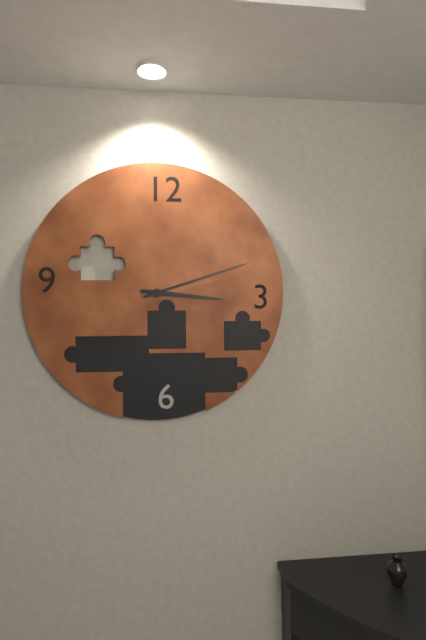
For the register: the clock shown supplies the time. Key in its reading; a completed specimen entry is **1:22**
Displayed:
**3:12**
